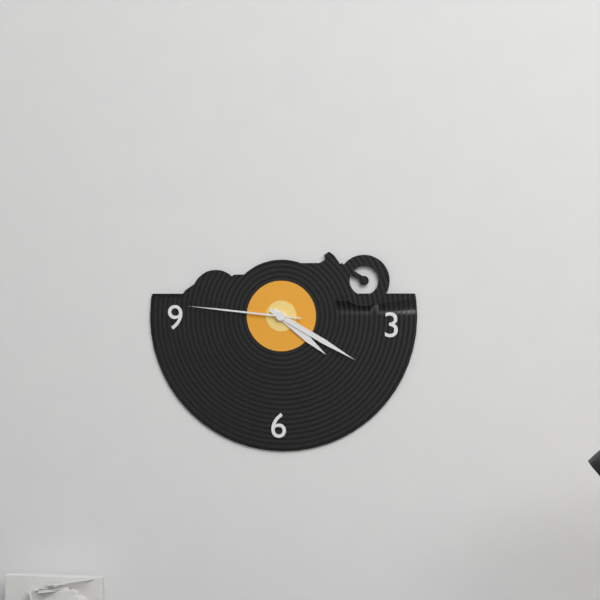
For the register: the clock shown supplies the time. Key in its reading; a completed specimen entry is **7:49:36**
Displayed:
**4:20:46**
